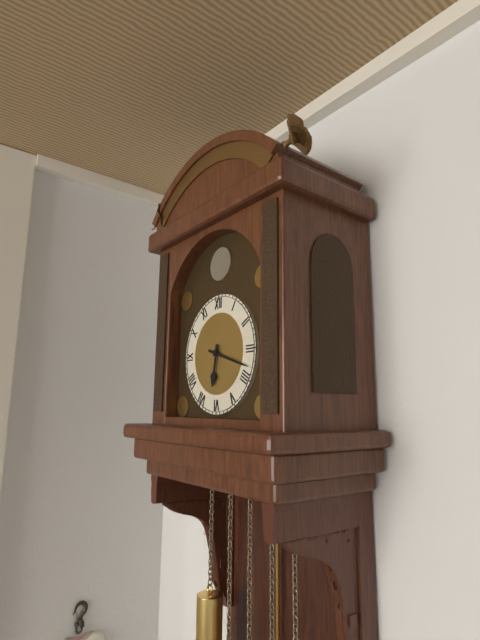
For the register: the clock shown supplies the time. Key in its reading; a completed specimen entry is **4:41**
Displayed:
**6:18**
